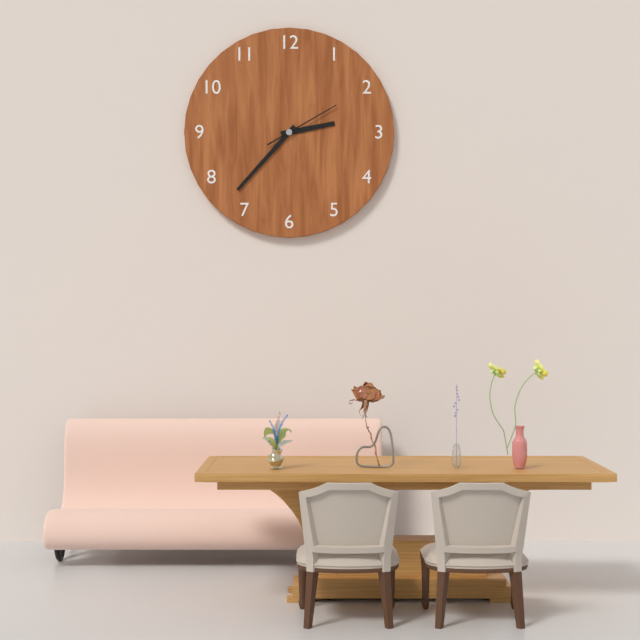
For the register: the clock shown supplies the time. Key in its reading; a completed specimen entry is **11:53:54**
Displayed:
**2:37:10**
